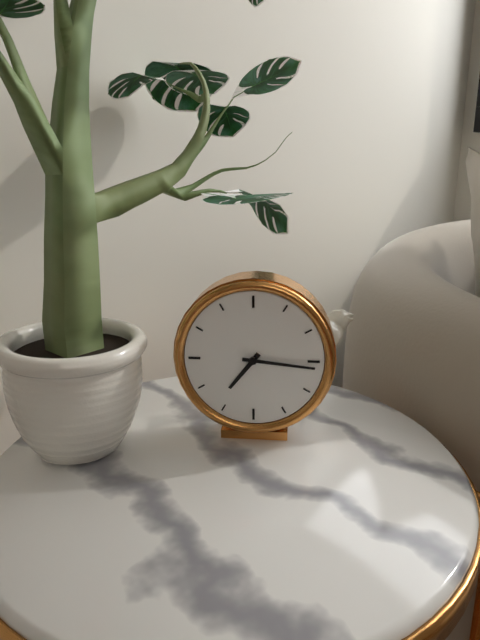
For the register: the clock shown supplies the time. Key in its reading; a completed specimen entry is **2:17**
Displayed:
**7:16**
